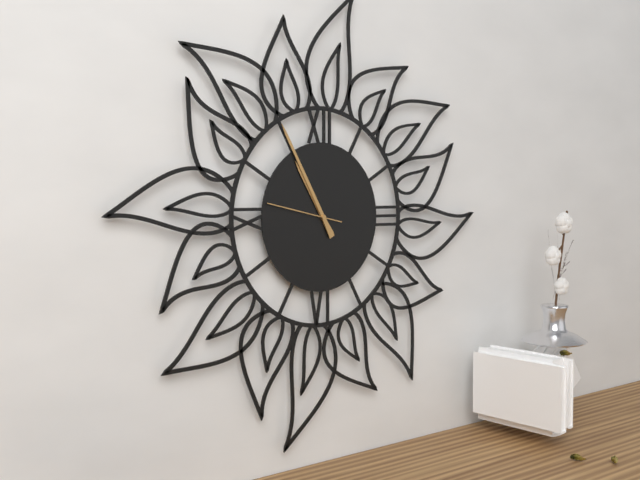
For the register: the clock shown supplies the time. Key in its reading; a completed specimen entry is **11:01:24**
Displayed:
**10:55:47**
